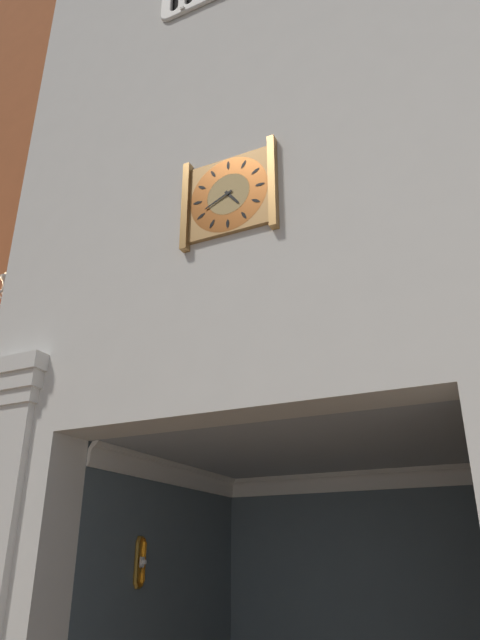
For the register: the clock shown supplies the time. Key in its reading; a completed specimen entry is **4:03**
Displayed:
**4:41**
